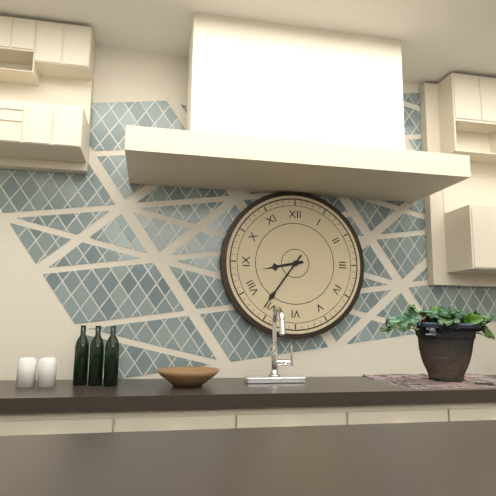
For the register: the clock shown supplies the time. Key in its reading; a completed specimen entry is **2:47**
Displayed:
**8:36**
